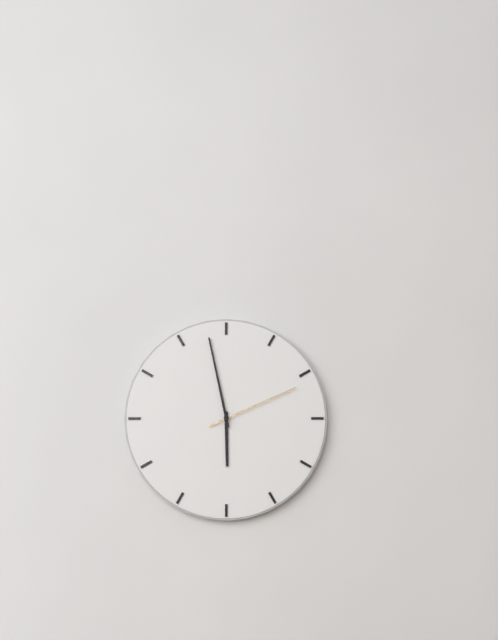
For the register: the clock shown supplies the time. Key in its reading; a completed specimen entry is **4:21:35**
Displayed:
**5:58:11**
